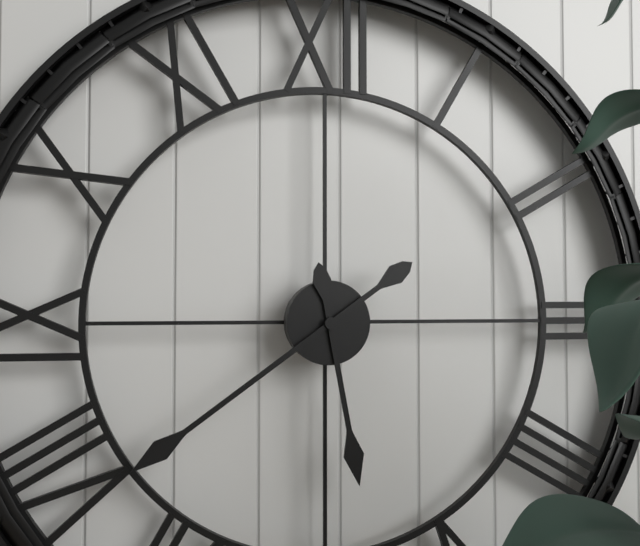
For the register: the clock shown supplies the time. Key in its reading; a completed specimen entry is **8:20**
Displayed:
**5:39**
